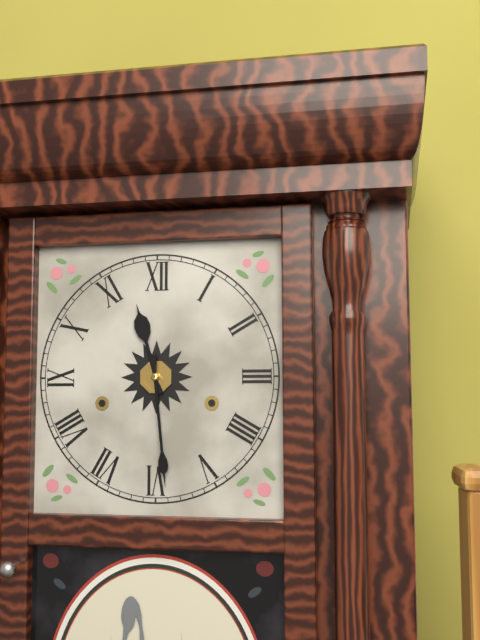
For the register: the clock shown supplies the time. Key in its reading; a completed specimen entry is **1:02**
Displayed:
**11:29**
